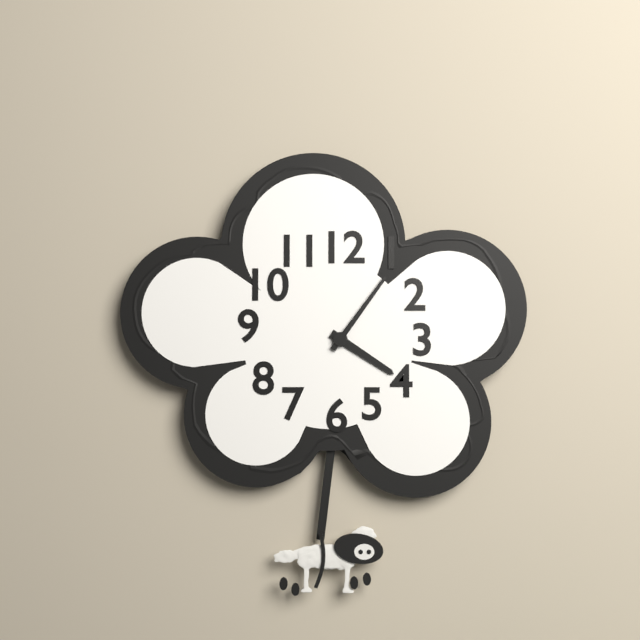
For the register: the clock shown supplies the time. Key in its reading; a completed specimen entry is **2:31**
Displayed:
**4:06**
